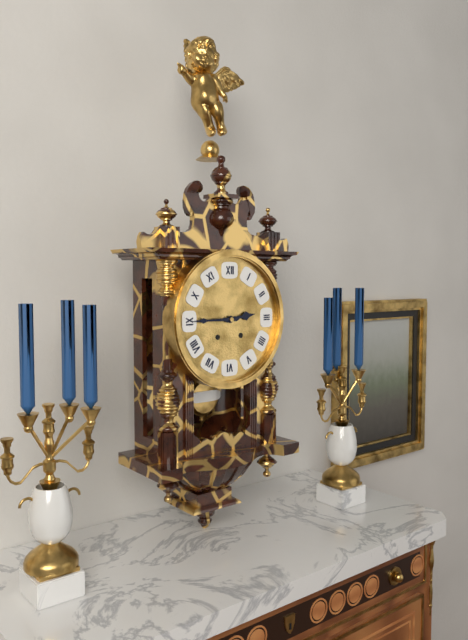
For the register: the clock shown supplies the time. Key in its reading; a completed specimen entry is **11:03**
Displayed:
**2:45**
